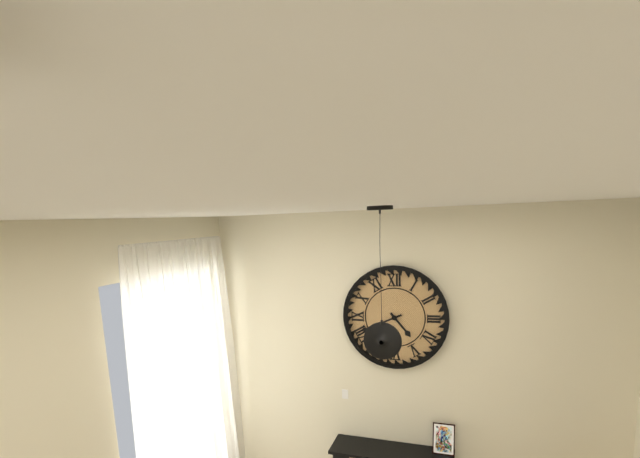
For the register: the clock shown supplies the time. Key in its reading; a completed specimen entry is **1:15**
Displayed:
**4:41**
